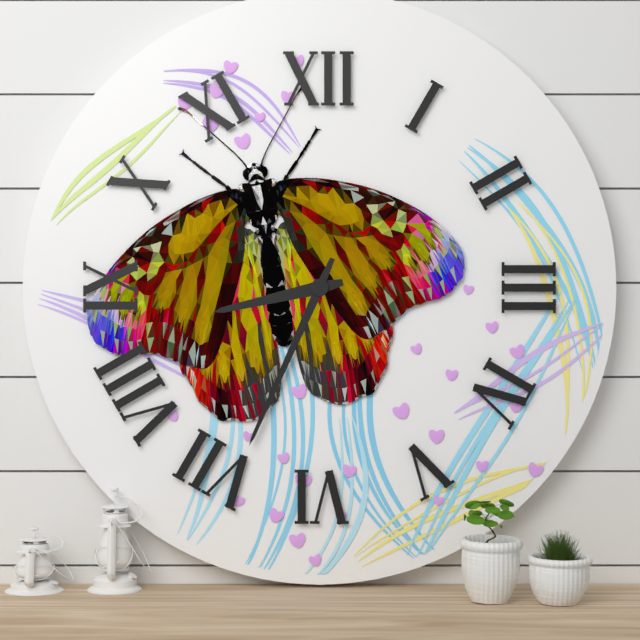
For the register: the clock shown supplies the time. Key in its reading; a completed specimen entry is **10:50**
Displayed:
**8:34**
